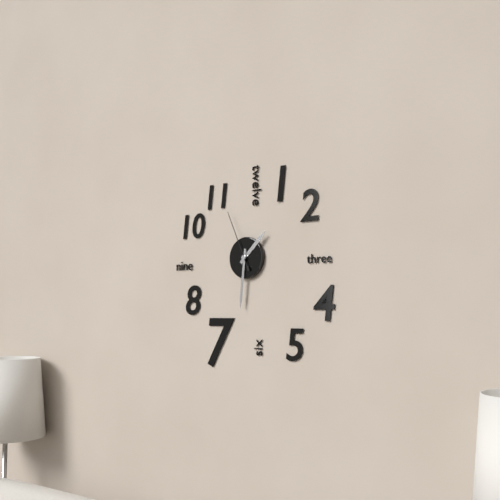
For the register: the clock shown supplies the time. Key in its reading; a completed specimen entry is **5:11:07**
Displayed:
**1:31:56**
